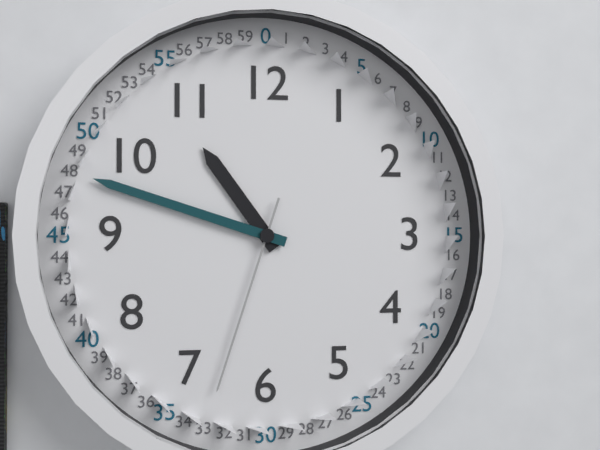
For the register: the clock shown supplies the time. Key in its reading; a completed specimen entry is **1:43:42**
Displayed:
**10:48:33**
